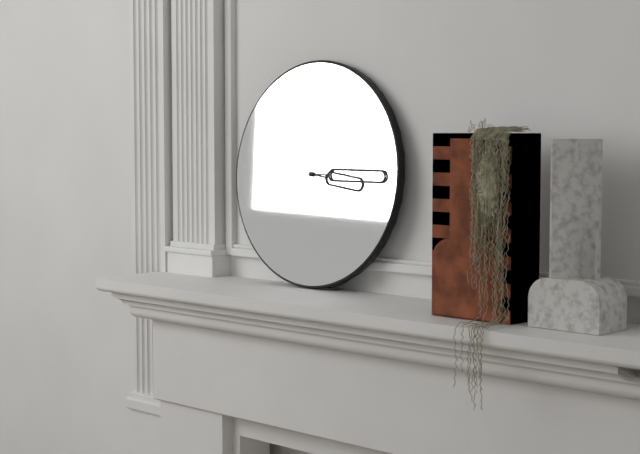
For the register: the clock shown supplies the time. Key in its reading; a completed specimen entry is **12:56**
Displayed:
**3:15**
